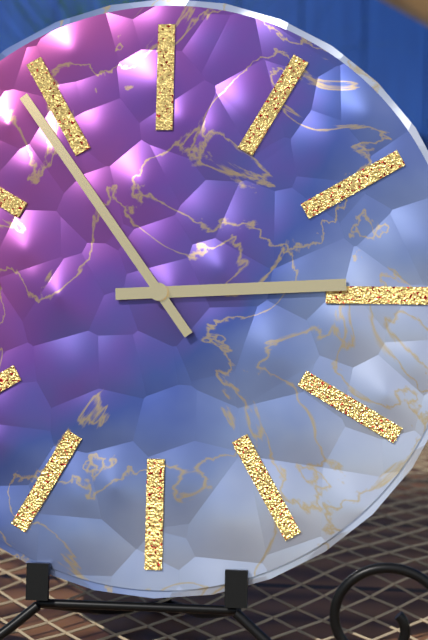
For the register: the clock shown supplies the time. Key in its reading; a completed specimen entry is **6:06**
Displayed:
**2:54**
